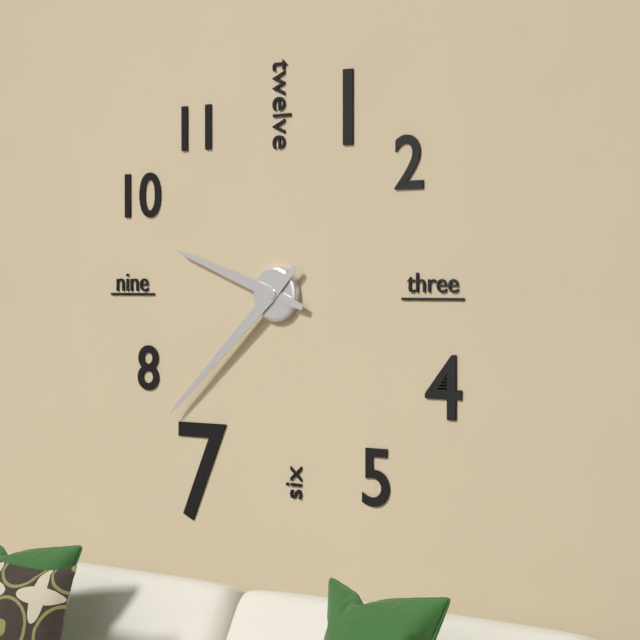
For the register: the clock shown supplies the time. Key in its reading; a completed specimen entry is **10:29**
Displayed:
**9:38**
